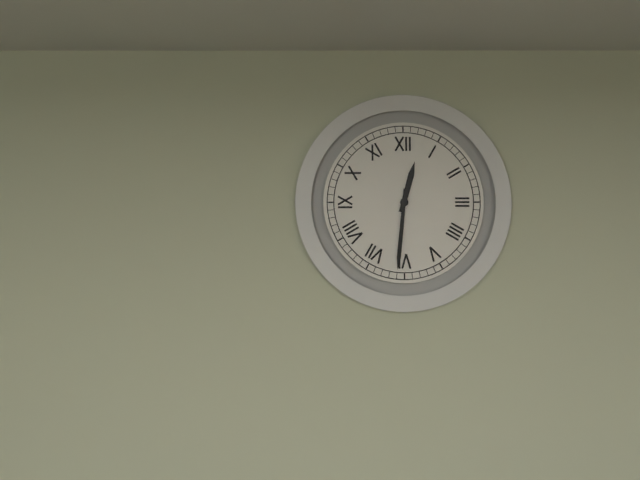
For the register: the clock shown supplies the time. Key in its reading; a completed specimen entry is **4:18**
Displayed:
**12:31**
